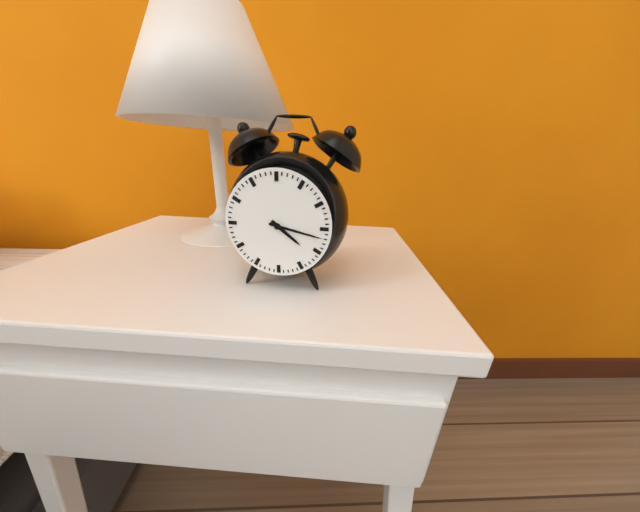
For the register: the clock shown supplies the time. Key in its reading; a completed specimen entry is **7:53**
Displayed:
**4:17**
